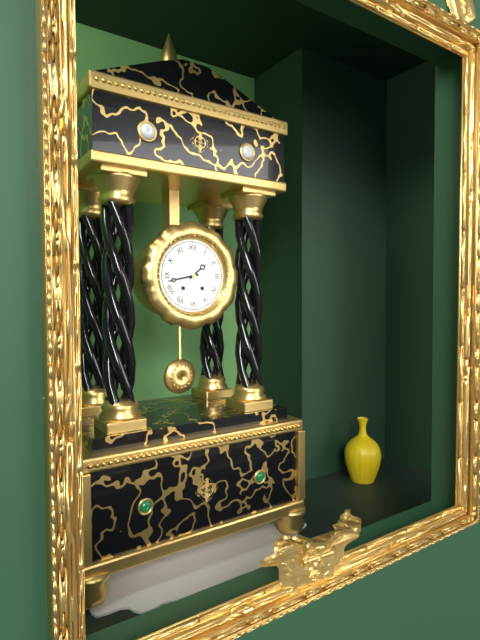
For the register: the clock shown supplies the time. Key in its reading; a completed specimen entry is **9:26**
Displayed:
**1:43**
